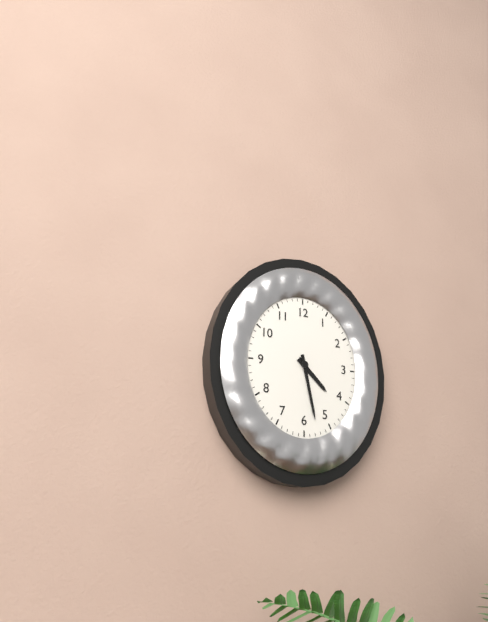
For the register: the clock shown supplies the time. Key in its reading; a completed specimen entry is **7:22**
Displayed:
**4:28**
